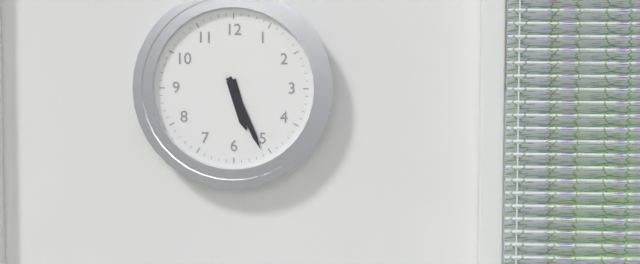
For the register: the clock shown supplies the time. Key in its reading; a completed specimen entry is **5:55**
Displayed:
**5:26**
